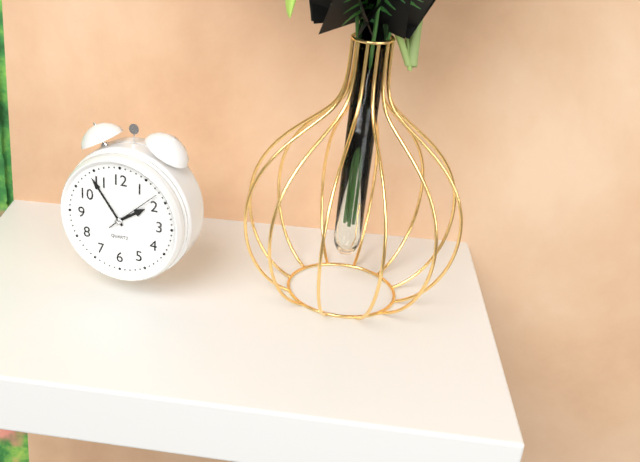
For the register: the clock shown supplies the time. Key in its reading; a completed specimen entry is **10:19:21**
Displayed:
**1:54:08**
